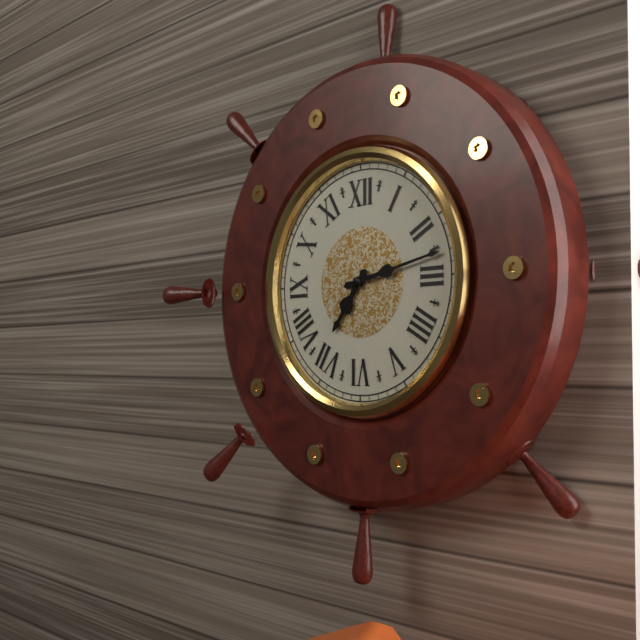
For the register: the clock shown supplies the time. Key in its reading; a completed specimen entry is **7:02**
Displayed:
**7:13**
